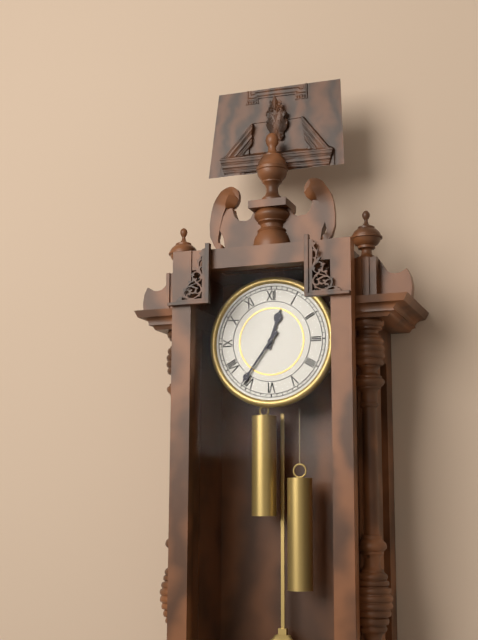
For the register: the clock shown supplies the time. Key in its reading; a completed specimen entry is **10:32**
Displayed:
**12:36**
